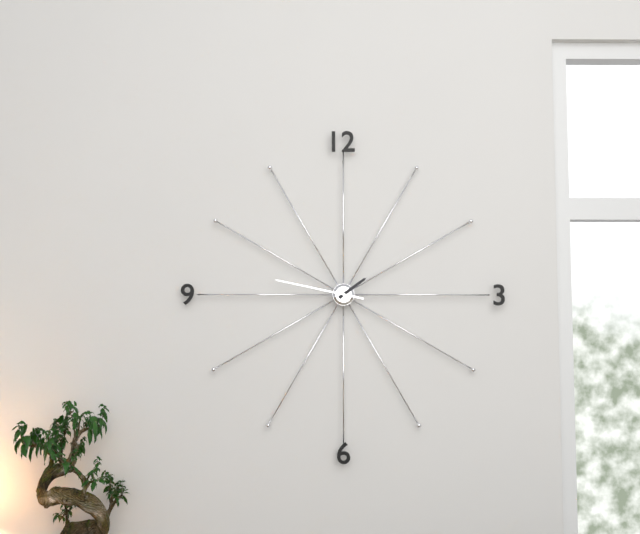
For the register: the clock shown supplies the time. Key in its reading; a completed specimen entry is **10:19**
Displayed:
**1:47**
